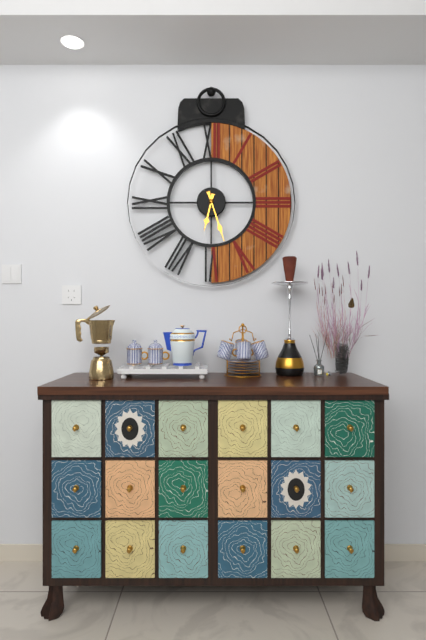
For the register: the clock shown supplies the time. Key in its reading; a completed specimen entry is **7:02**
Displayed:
**6:27**
